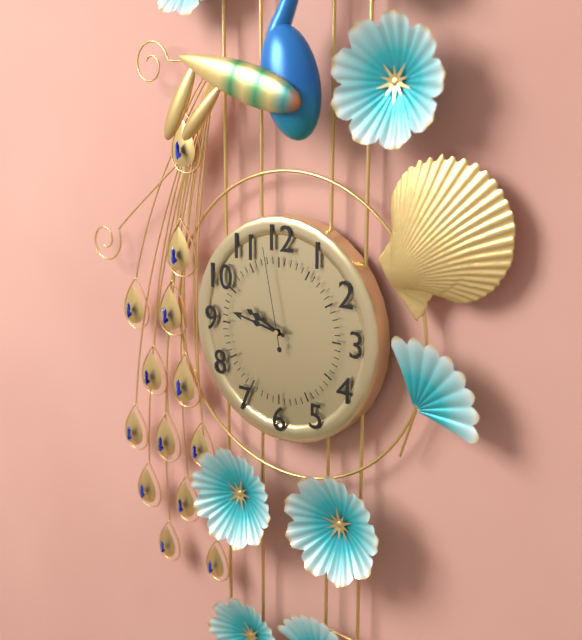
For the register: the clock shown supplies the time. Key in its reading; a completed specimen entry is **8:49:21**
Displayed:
**9:47:58**
